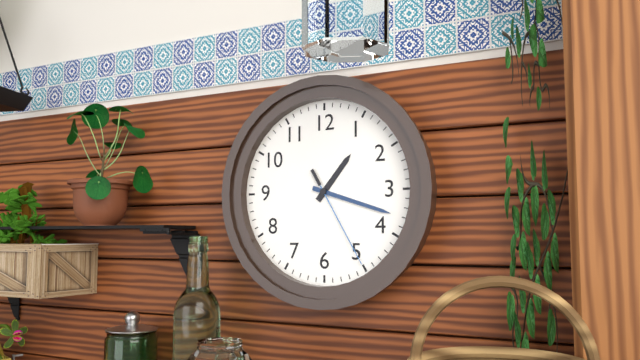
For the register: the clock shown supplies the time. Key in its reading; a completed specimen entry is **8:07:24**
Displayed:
**1:18:25**
